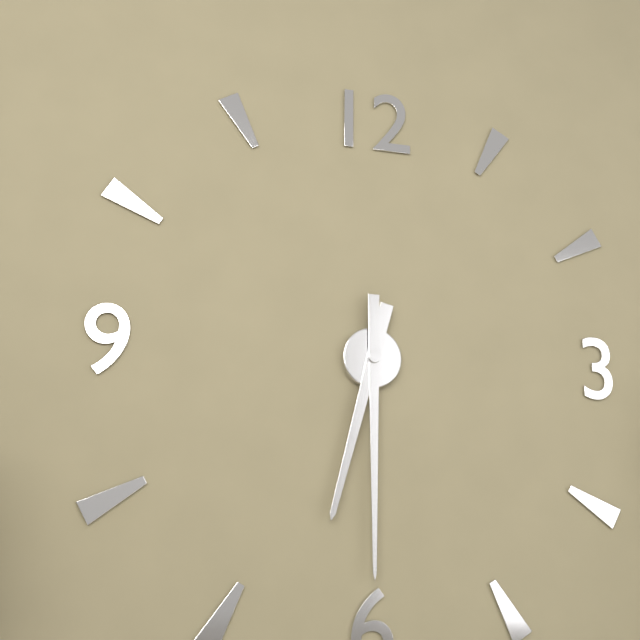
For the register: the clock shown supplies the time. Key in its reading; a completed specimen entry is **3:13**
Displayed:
**6:30**
